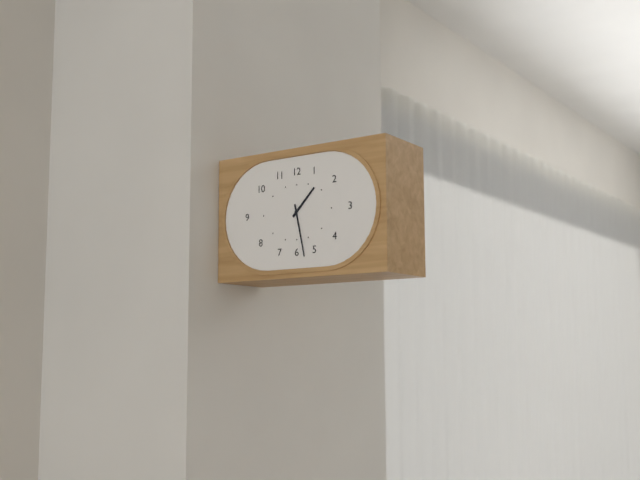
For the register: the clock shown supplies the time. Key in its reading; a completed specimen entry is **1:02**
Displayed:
**1:28**
